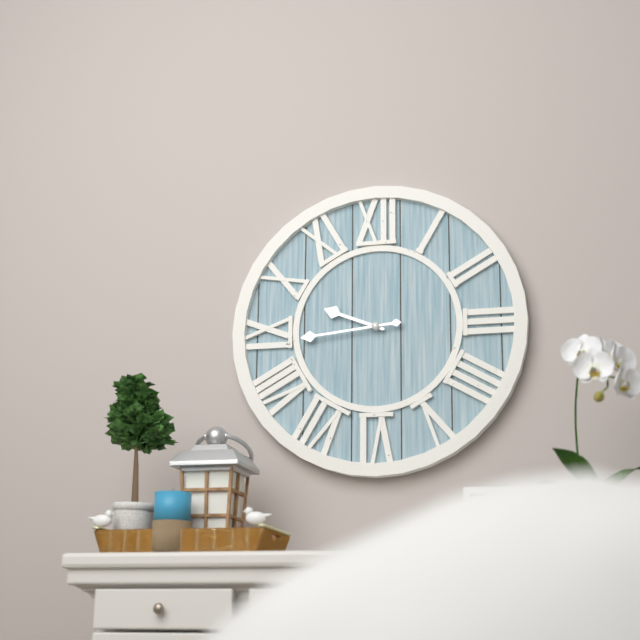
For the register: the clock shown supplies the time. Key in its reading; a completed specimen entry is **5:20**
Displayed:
**9:44**
